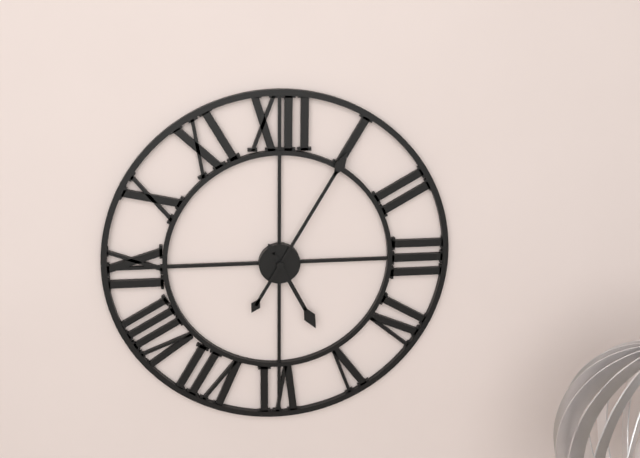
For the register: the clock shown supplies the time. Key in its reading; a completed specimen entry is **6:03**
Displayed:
**5:05**
